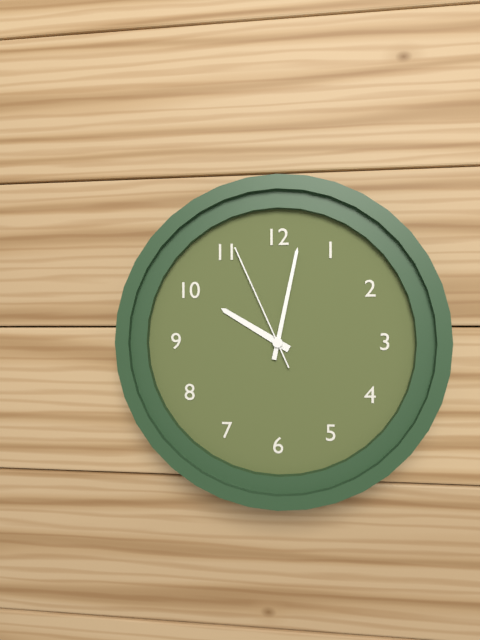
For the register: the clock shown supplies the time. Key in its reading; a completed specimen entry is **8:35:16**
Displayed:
**10:02:56**
